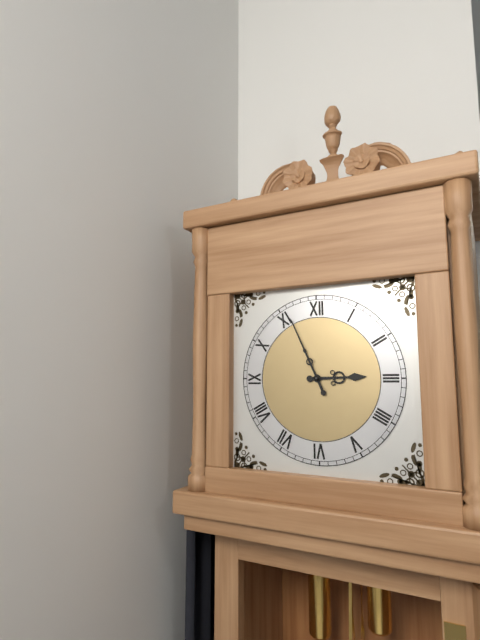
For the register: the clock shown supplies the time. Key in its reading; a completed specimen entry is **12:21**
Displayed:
**2:56**
